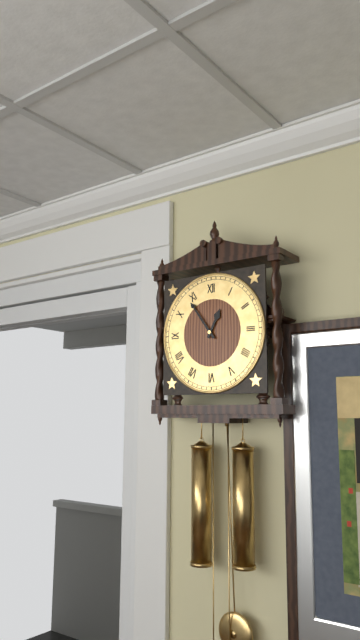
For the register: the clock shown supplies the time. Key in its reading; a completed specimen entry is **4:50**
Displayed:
**12:54**
